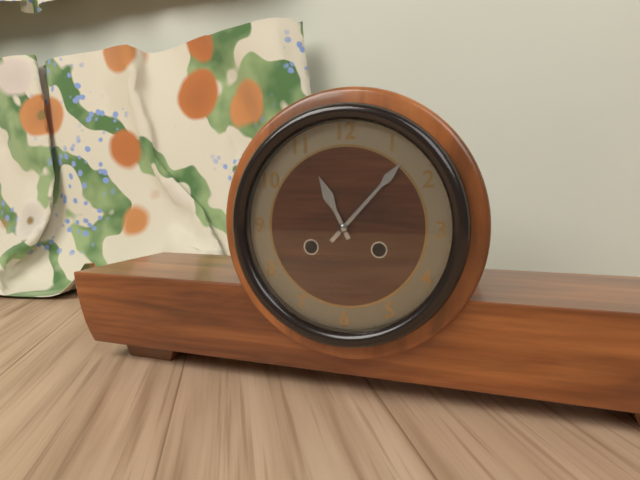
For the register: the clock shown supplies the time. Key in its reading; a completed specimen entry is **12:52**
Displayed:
**11:07**
